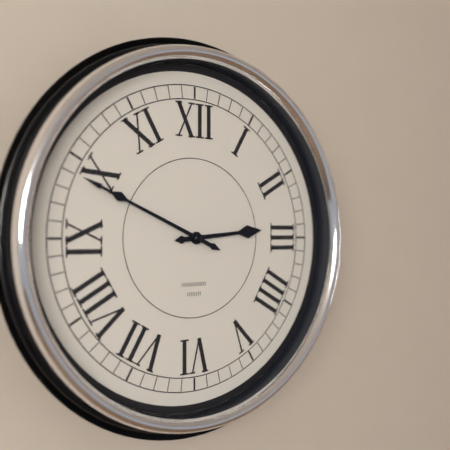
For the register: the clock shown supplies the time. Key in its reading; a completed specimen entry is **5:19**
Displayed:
**2:49**
